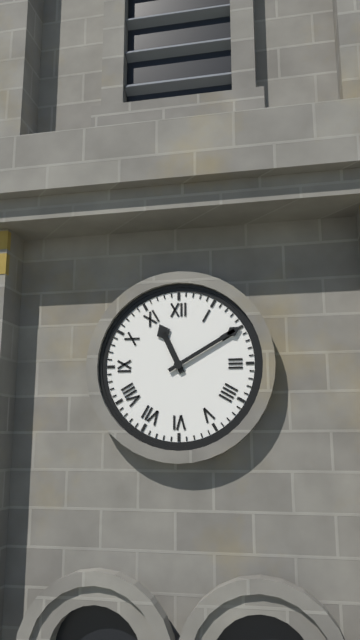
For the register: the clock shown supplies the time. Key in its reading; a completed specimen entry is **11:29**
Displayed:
**11:10**
